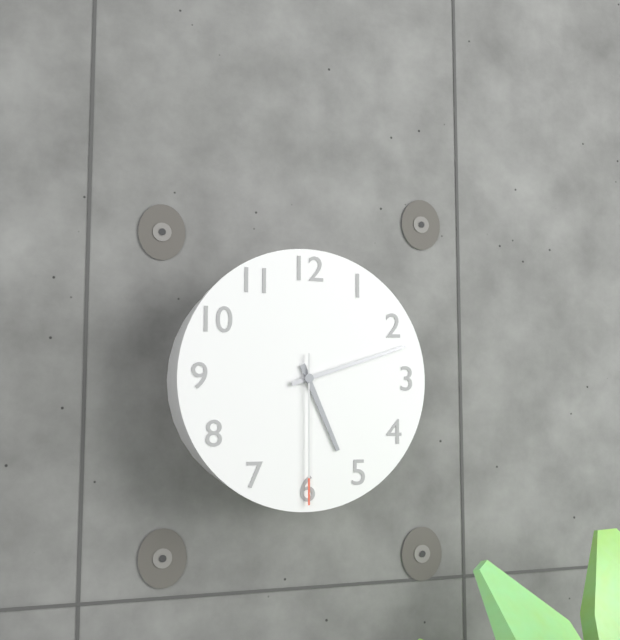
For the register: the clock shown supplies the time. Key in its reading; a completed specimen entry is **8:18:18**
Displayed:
**5:12:30**
